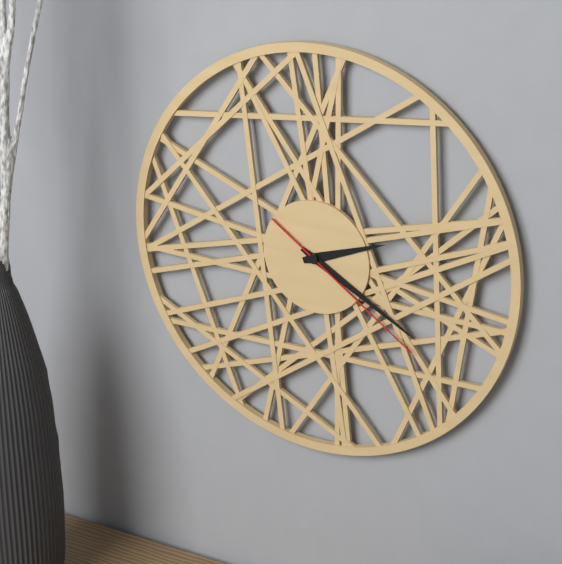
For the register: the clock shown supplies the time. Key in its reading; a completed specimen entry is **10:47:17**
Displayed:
**2:20:21**
